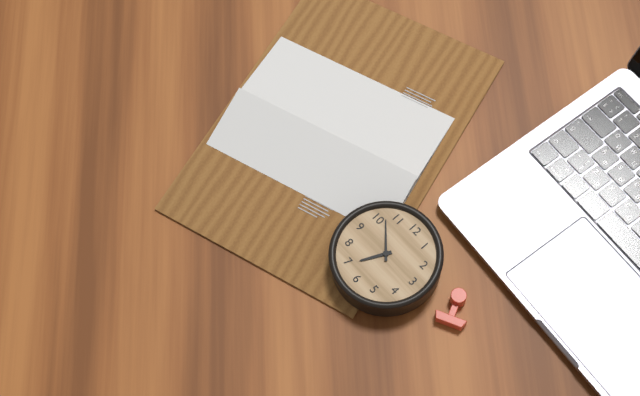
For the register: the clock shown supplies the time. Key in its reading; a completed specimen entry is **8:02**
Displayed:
**6:52**
